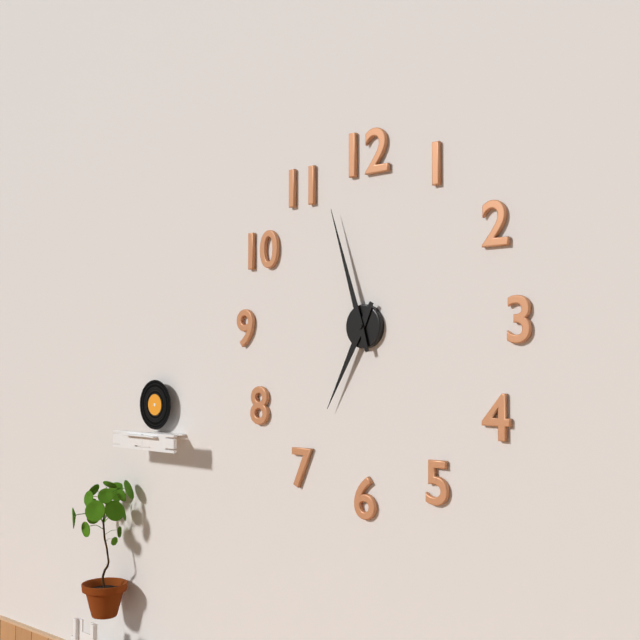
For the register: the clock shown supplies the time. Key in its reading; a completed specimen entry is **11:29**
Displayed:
**6:57**
